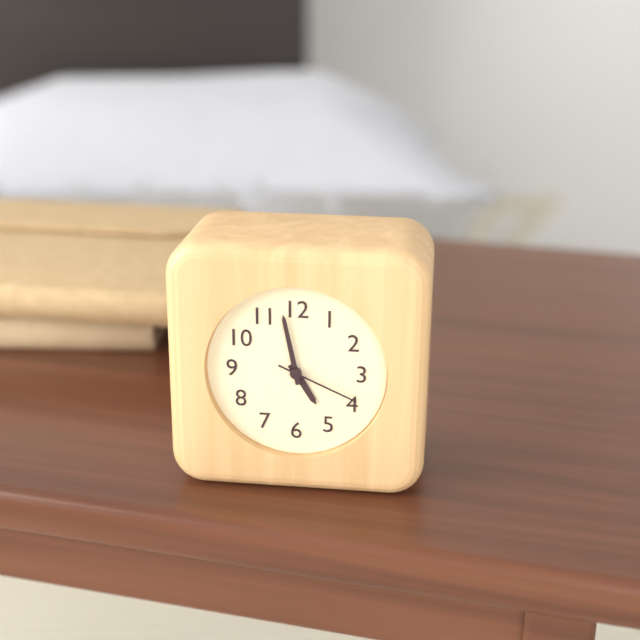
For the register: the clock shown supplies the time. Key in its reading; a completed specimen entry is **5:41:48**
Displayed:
**4:58:19**
